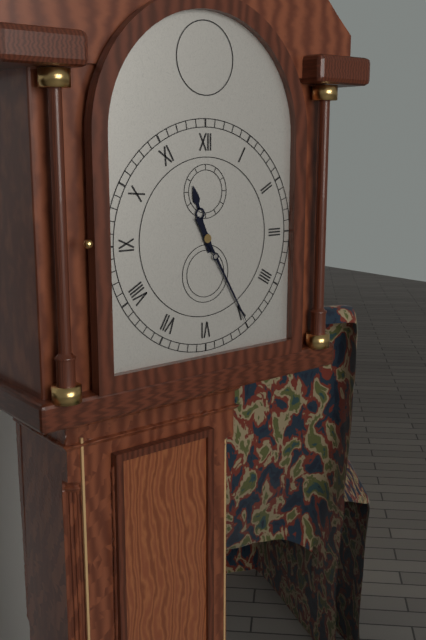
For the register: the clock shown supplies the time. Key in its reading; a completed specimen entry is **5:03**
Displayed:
**11:25**
